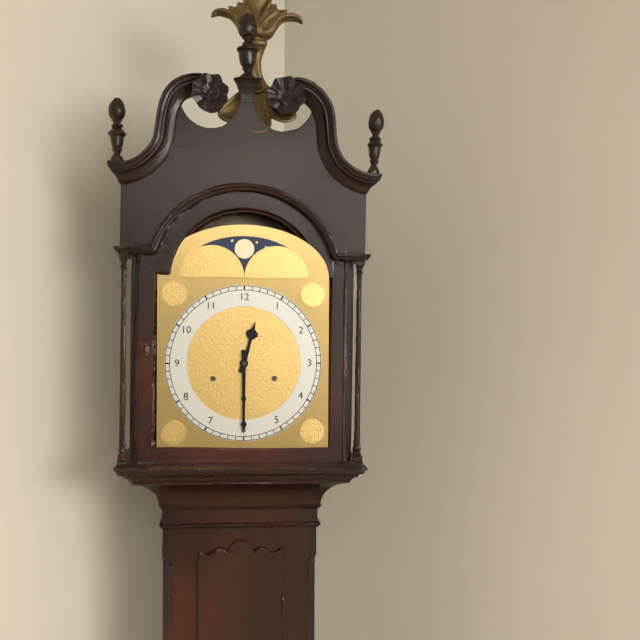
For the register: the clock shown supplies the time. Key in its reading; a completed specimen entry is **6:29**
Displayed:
**12:30**
